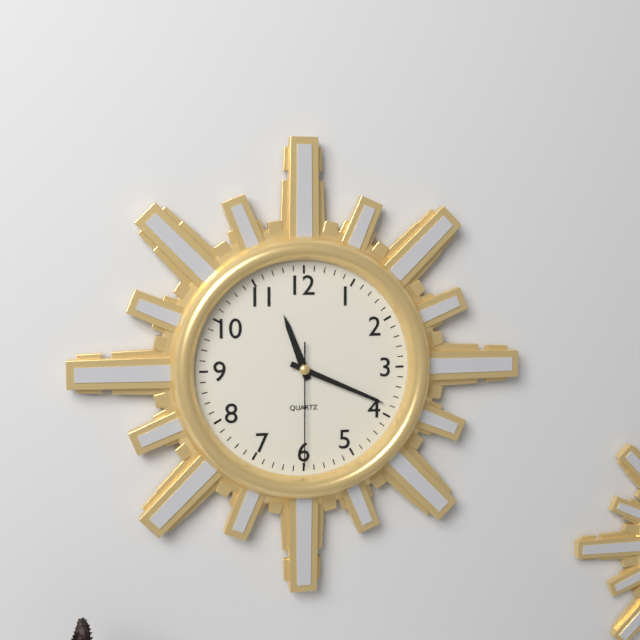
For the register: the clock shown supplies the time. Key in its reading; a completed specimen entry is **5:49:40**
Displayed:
**11:19:30**
